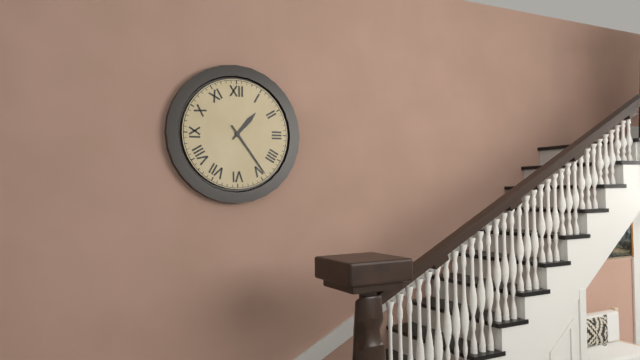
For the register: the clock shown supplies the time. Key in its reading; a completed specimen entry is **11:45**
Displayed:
**1:24**
